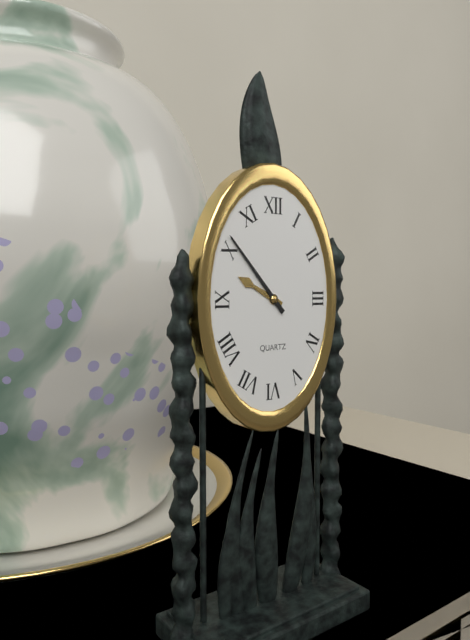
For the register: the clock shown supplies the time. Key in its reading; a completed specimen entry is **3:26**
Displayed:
**9:53**
